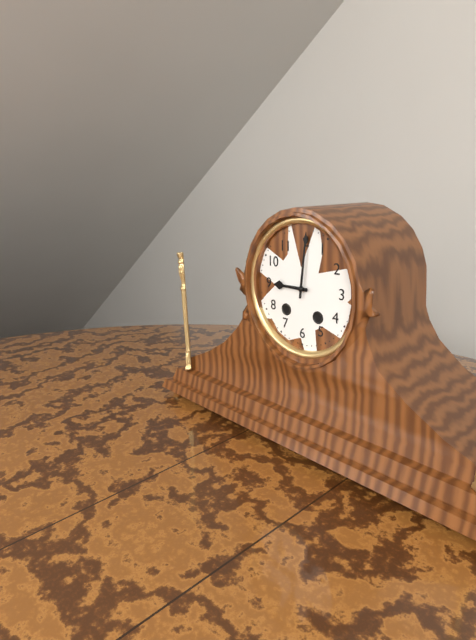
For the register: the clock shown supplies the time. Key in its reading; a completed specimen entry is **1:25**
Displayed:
**9:01**
